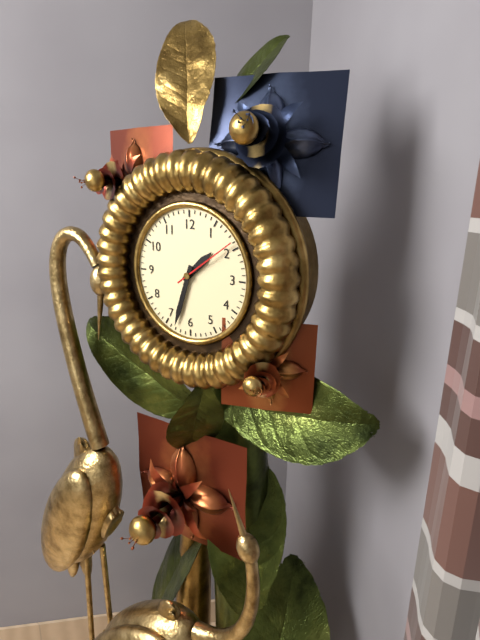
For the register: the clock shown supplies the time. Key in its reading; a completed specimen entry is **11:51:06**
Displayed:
**1:33:09**
